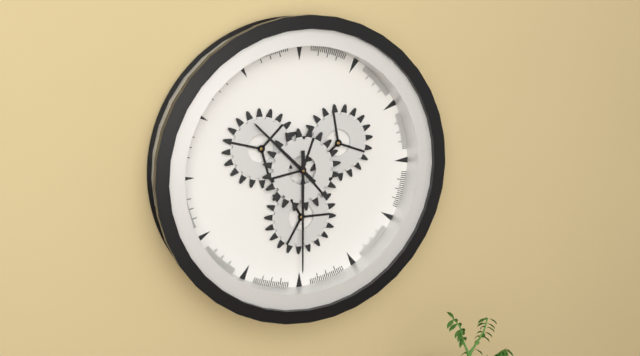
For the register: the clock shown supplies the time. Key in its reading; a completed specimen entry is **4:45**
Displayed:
**10:30**
